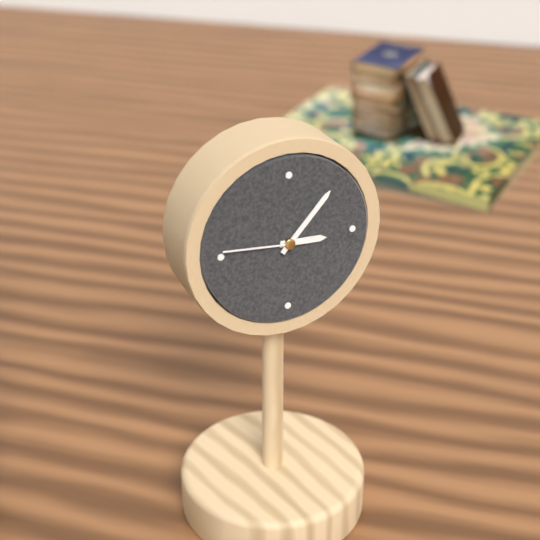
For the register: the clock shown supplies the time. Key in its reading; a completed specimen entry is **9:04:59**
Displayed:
**3:07:46**
